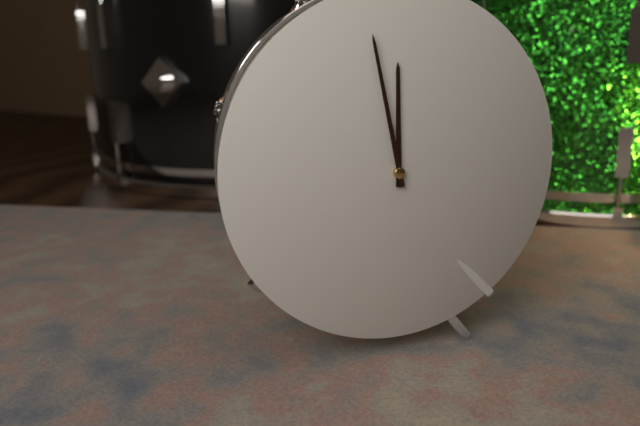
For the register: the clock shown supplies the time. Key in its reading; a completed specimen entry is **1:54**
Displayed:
**11:58**
